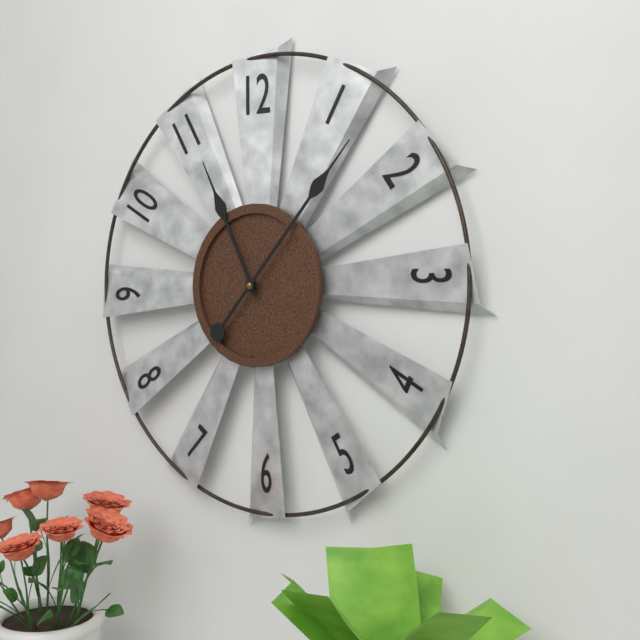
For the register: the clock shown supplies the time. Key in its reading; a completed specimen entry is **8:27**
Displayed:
**11:07**
